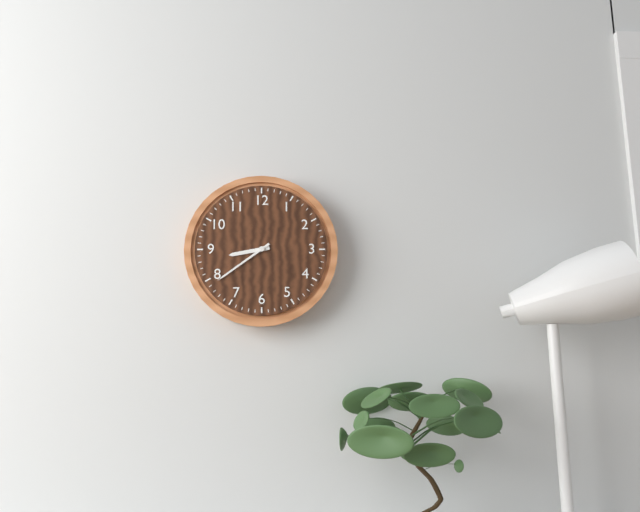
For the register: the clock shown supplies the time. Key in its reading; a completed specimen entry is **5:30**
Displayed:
**8:39**
